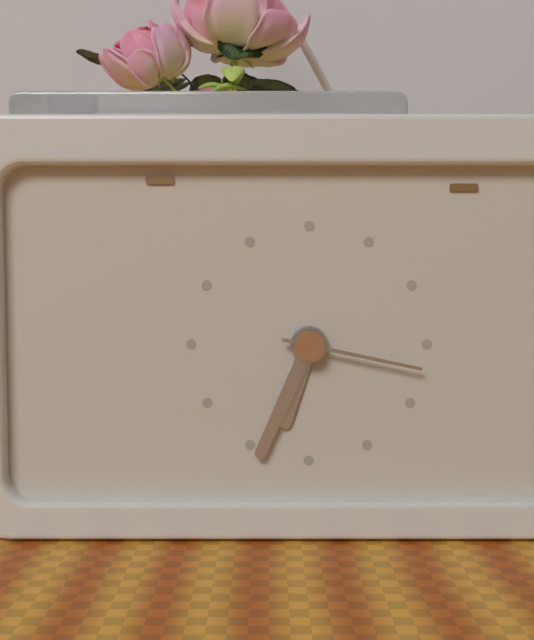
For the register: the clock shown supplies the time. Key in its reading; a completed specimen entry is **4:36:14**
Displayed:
**6:34:17**
